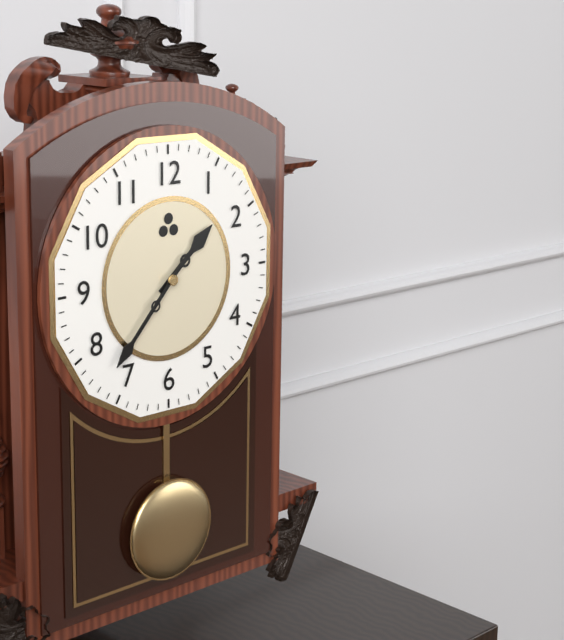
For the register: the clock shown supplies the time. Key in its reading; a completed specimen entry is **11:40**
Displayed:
**1:37**
